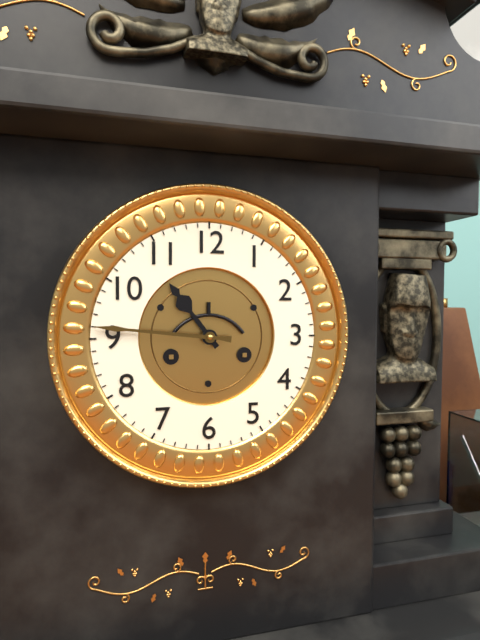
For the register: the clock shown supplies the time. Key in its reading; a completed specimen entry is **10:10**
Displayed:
**10:46**
